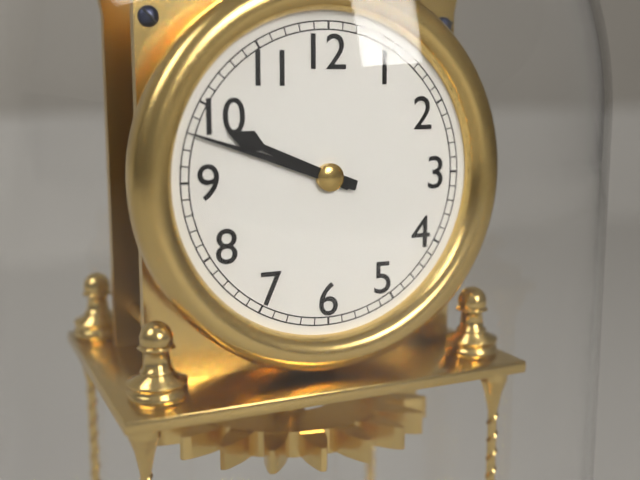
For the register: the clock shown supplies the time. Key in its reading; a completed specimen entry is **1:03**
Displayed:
**9:48**
